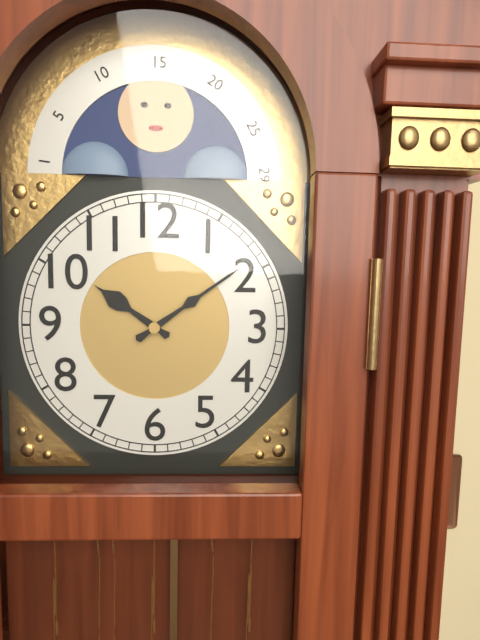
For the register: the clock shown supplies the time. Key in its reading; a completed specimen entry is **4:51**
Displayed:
**10:09**
